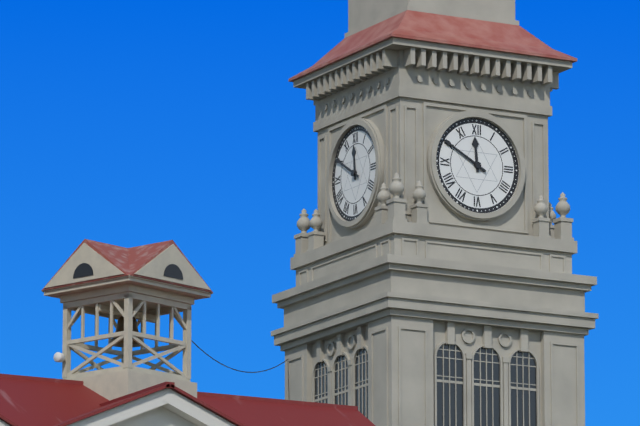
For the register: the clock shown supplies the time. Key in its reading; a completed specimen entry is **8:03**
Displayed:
**11:50**
